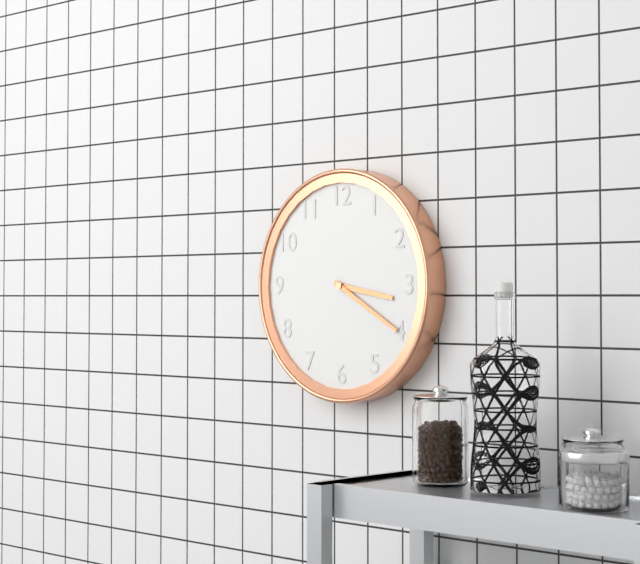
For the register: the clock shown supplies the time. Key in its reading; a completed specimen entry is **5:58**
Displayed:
**3:20**
